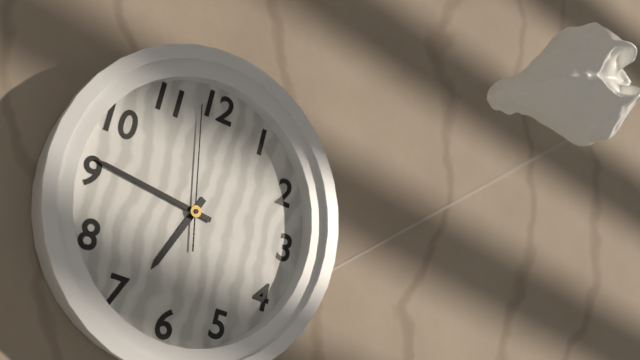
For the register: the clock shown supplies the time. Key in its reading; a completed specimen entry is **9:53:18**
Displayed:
**6:46:58**
